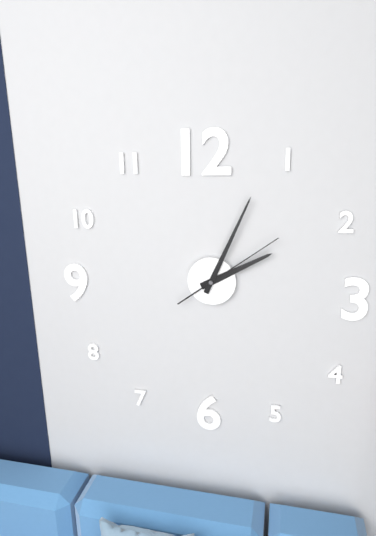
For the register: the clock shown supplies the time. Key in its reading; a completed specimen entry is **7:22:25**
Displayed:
**2:04:09**
